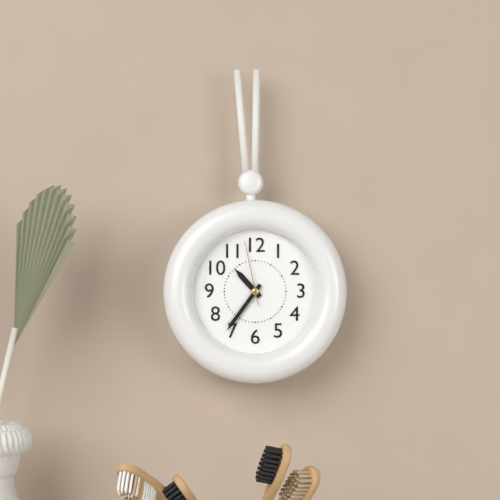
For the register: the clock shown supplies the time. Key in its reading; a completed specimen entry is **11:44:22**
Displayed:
**10:36:58**
